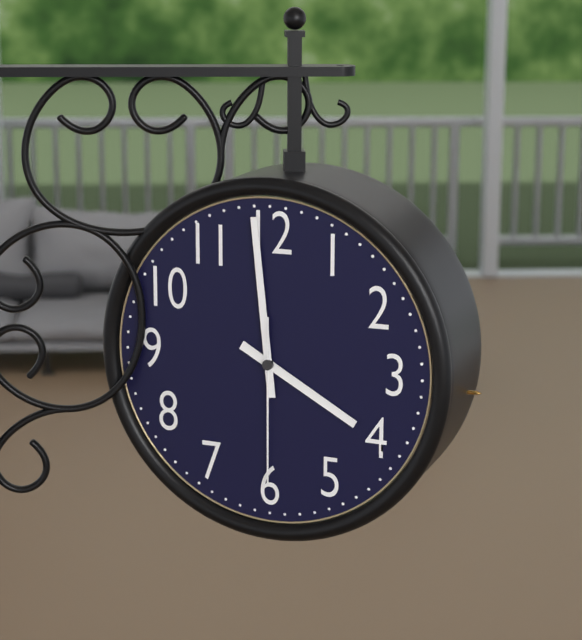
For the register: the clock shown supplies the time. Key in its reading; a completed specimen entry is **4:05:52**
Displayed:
**3:59:30**
